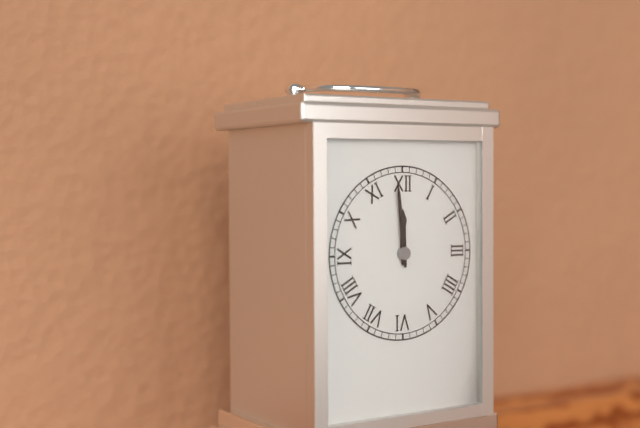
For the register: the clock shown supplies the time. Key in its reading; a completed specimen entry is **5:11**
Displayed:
**11:59**
